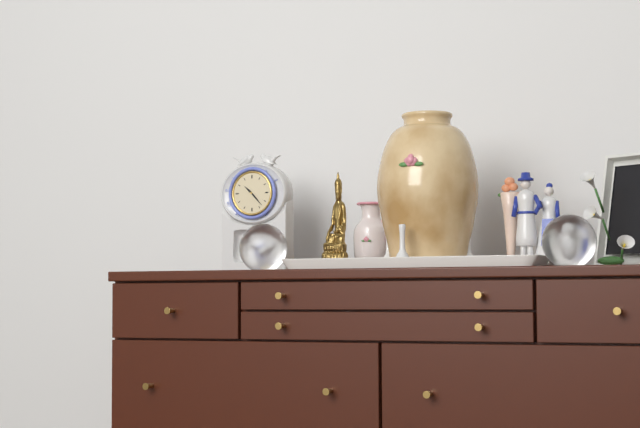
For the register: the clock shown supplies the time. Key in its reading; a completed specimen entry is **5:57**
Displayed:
**10:23**
